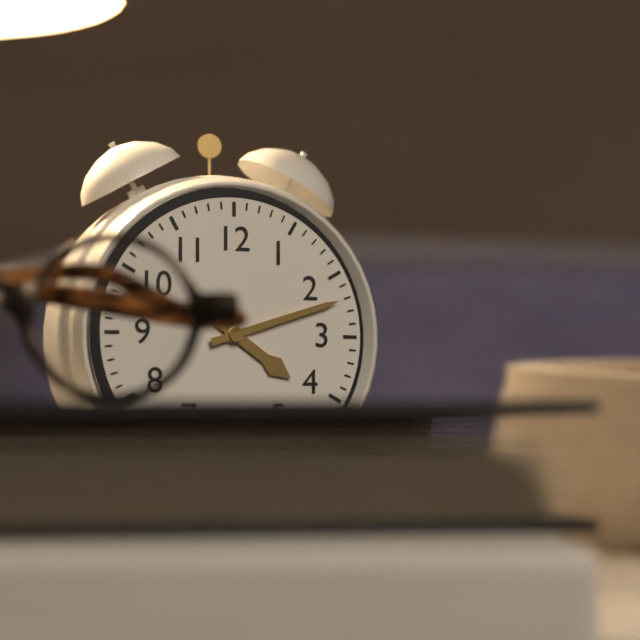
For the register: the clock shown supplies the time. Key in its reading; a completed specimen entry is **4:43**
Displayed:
**4:12**
